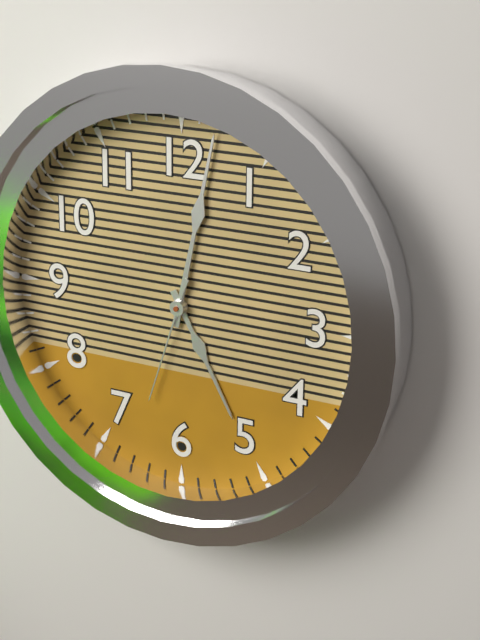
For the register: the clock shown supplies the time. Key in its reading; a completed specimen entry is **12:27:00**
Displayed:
**5:02:33**
